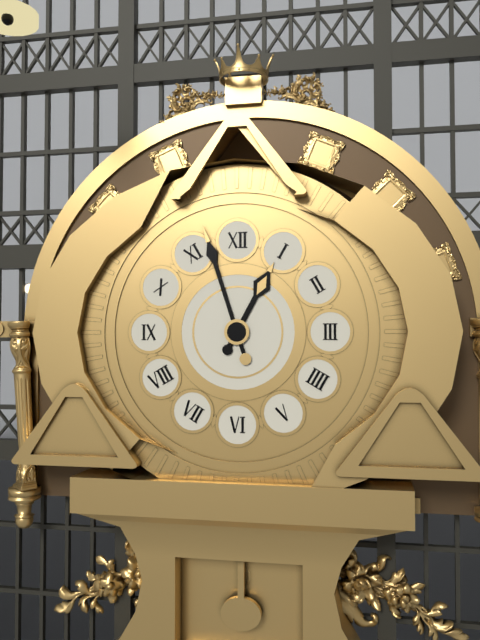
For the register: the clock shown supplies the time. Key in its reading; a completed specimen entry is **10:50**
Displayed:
**12:57**
